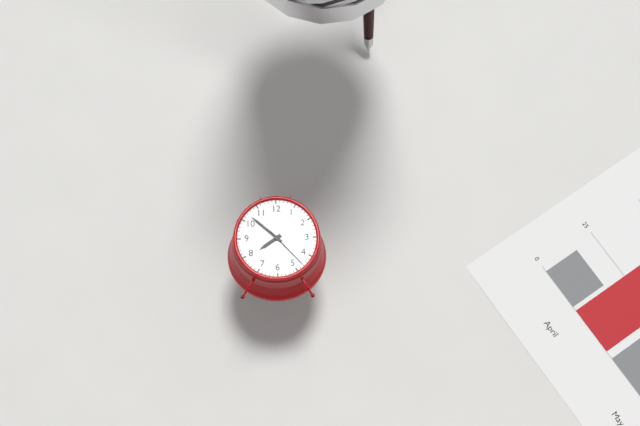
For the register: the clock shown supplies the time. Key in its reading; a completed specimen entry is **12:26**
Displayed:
**7:52**
